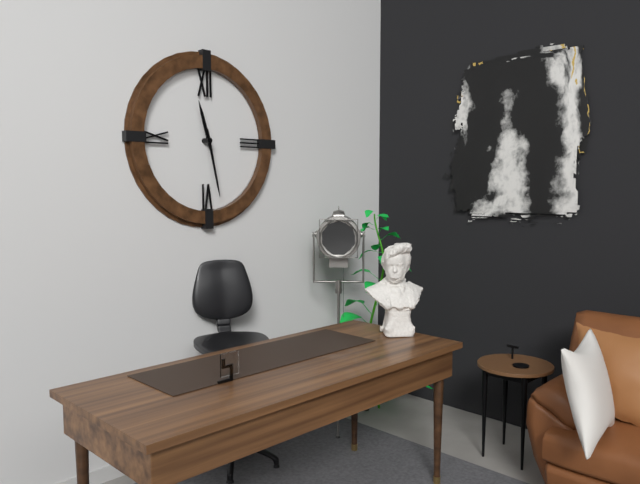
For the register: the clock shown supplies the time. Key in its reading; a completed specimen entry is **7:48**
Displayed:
**11:28**
